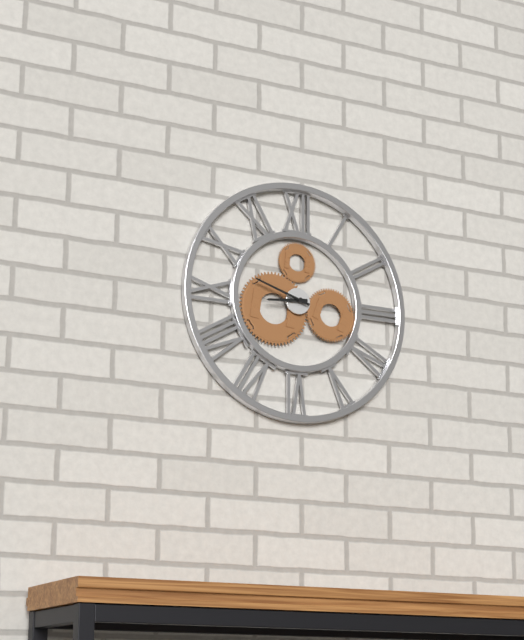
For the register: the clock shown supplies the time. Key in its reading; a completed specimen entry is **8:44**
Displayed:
**8:48**
